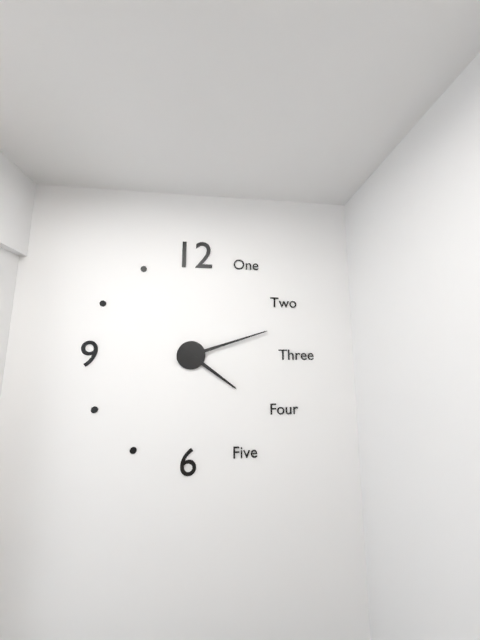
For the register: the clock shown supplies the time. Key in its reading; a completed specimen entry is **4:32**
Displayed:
**4:12**
